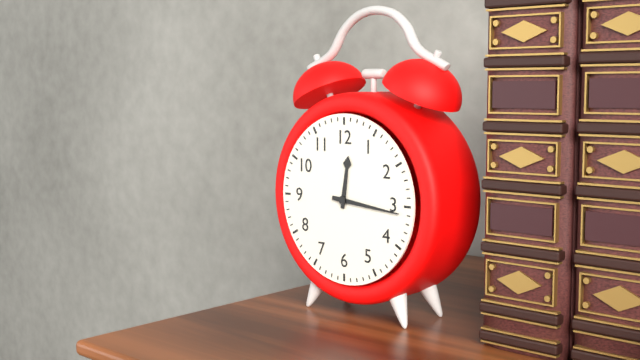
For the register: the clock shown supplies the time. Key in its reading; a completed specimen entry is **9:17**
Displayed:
**12:16**
